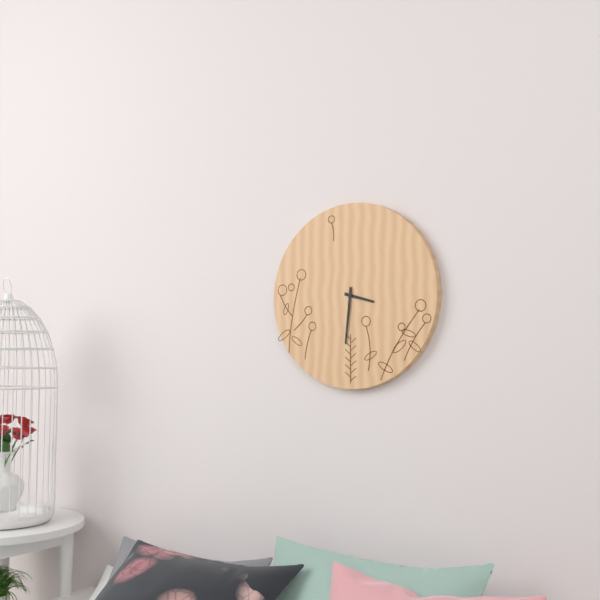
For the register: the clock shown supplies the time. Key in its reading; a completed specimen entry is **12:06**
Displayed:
**3:31**
